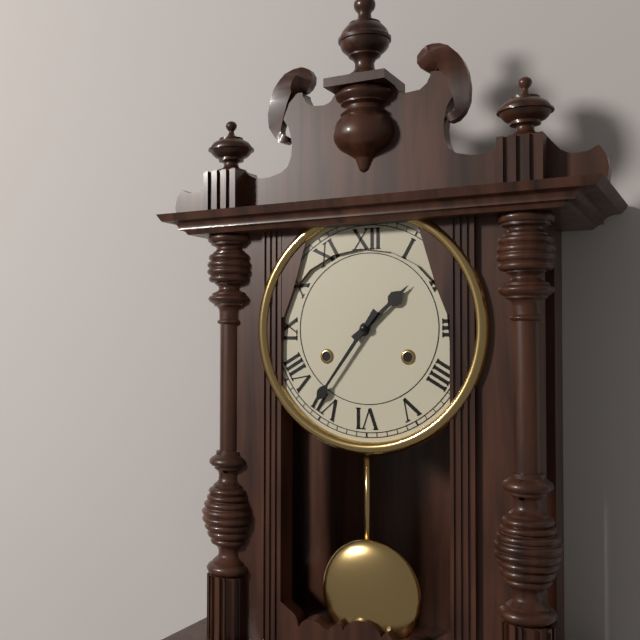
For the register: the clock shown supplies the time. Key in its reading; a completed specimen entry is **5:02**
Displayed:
**1:36**
